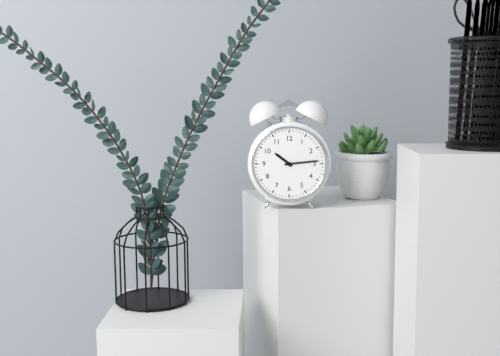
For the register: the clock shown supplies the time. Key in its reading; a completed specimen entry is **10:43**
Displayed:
**10:14**
